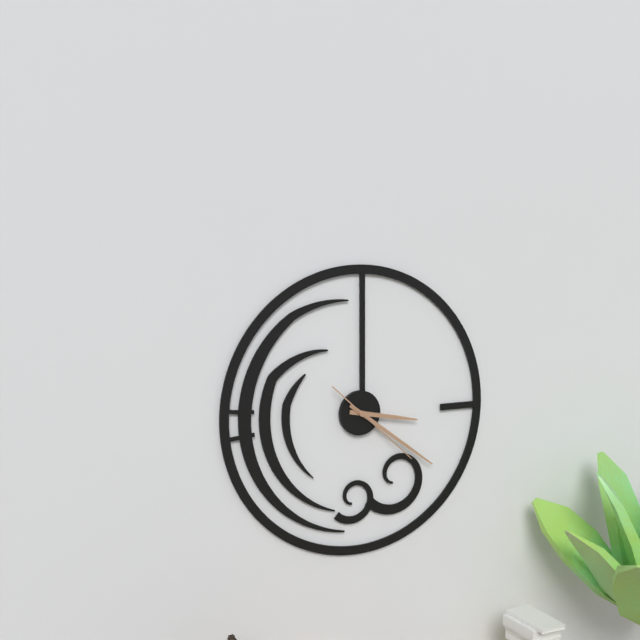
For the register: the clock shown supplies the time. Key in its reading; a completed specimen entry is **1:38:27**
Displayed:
**3:21:22**
